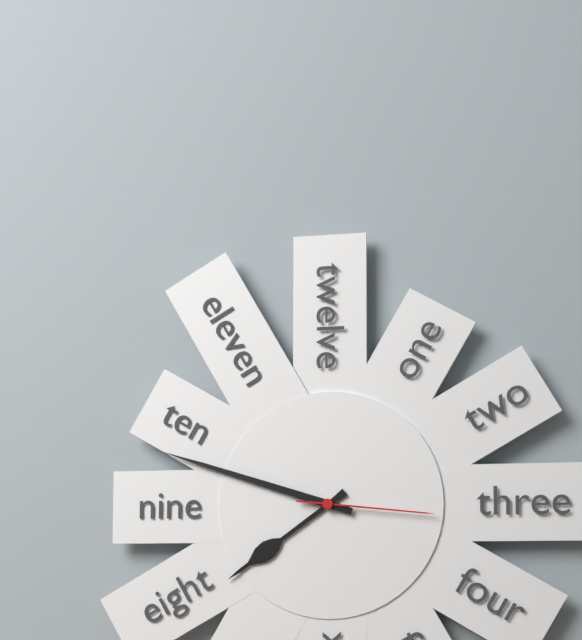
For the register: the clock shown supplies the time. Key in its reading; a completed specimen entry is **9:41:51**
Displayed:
**7:48:16**
